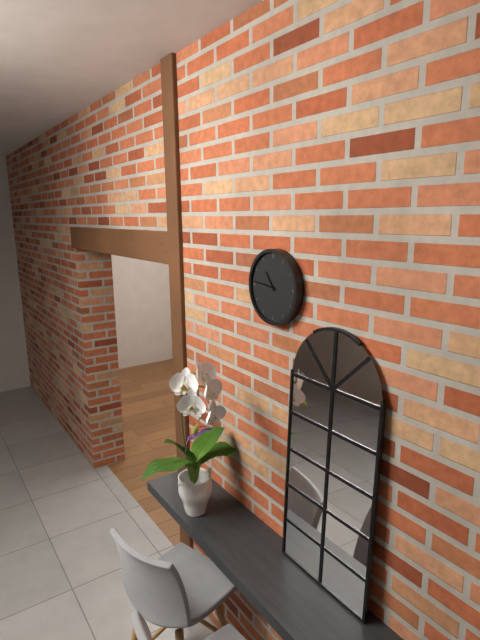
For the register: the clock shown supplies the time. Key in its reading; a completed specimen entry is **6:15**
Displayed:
**10:46**
